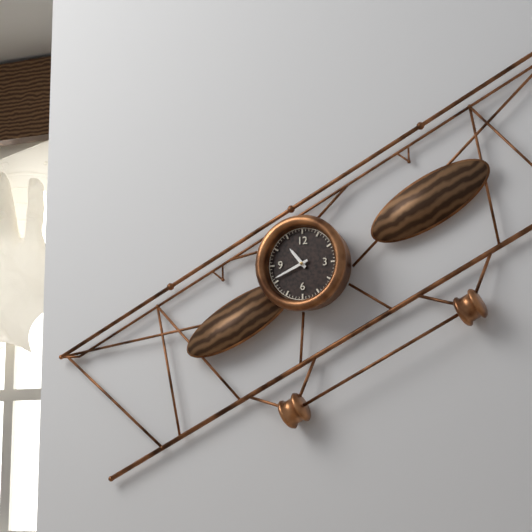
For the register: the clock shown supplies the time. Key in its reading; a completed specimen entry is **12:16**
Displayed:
**10:41**
